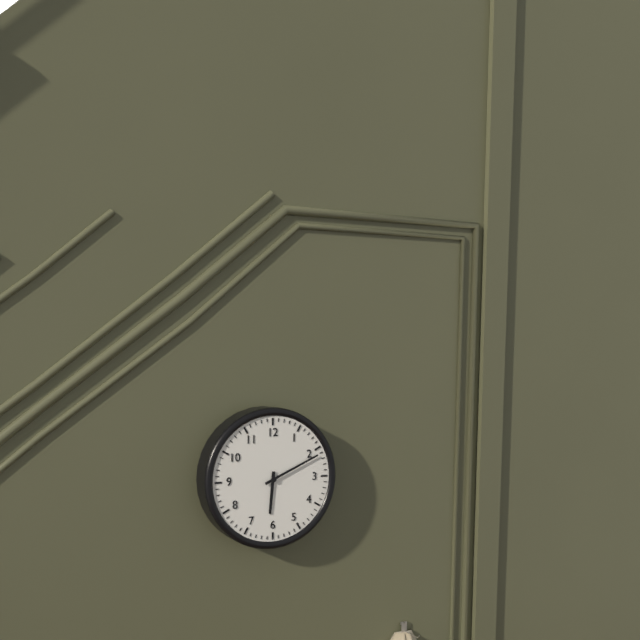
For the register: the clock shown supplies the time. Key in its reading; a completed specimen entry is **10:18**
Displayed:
**6:11**
